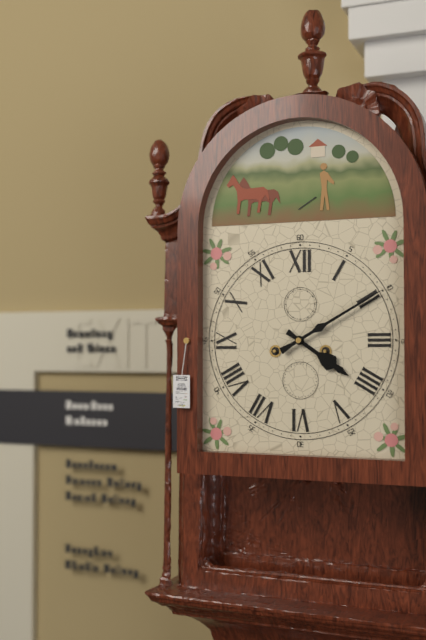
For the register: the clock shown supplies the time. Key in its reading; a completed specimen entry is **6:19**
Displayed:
**4:10**
